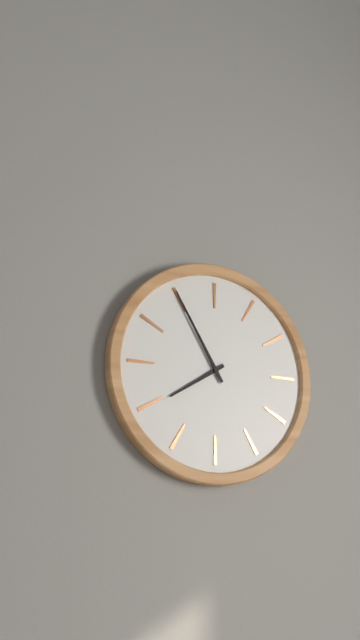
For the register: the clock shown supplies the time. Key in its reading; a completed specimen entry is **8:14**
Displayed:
**7:55**
